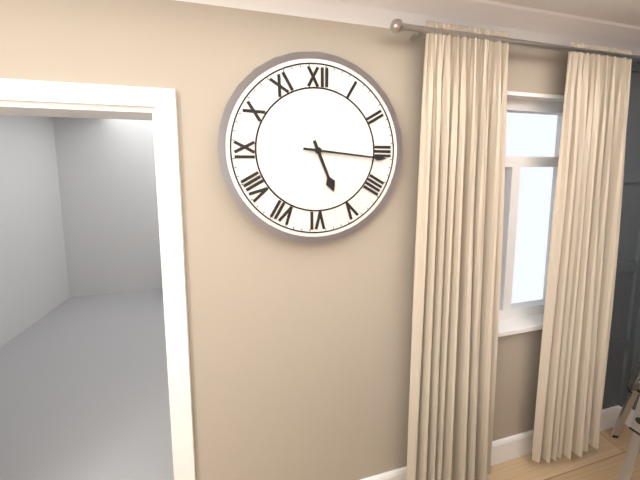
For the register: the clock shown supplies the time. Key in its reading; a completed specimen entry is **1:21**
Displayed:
**5:16**
